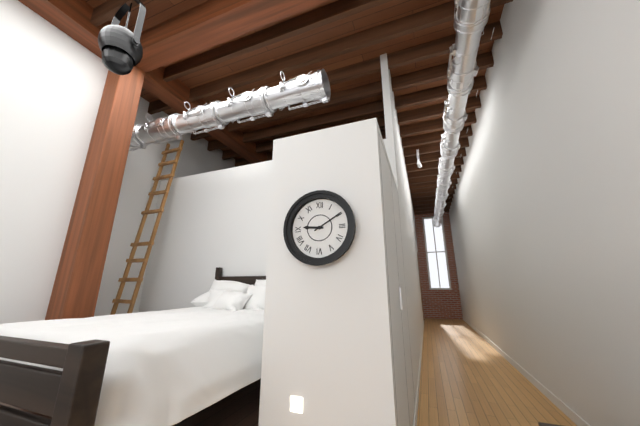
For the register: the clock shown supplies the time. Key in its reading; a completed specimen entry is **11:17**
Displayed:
**9:10**
